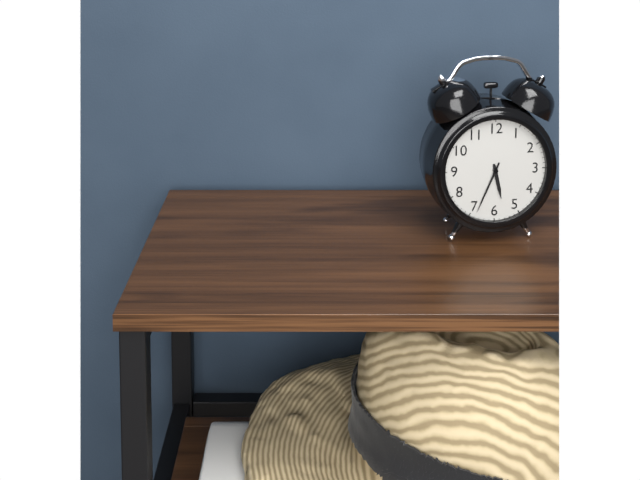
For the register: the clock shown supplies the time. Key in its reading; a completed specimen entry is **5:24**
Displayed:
**5:34**
